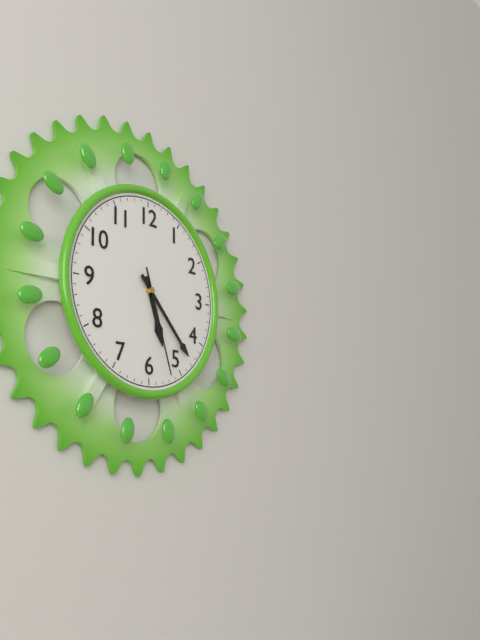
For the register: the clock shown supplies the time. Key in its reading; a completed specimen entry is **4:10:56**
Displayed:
**5:23:27**
